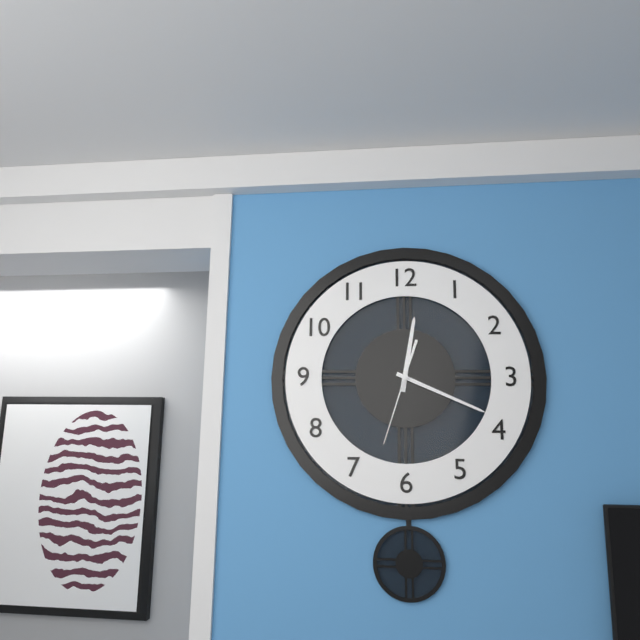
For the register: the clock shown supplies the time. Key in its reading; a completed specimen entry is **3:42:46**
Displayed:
**12:19:33**
